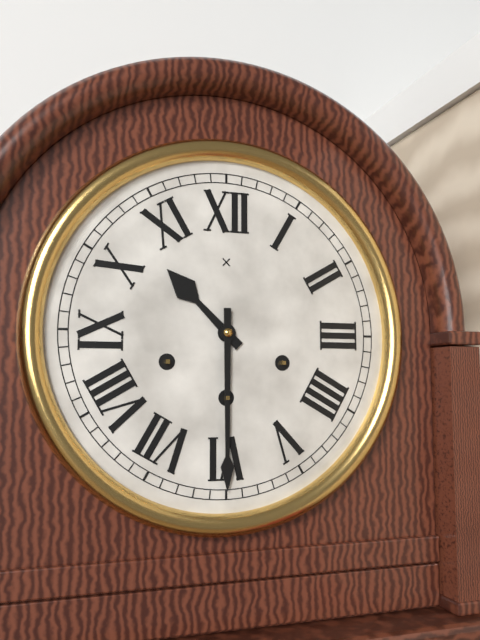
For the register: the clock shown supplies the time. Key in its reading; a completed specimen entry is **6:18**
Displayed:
**10:30**
